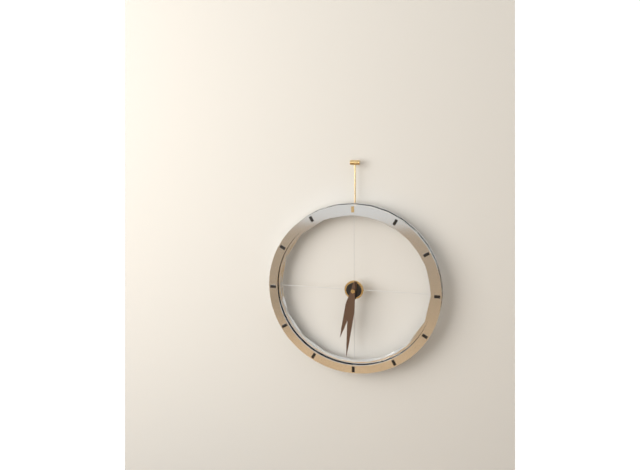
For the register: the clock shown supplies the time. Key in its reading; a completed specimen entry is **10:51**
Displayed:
**6:31**
